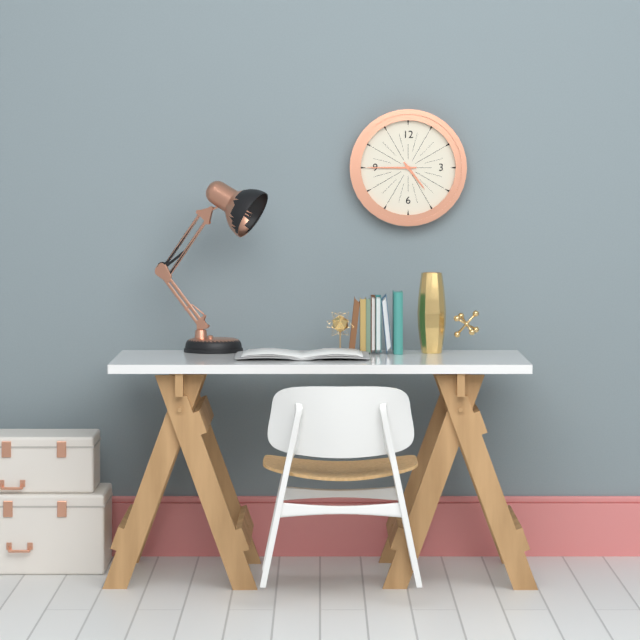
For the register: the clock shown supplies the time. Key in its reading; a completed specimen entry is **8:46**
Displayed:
**4:45**
